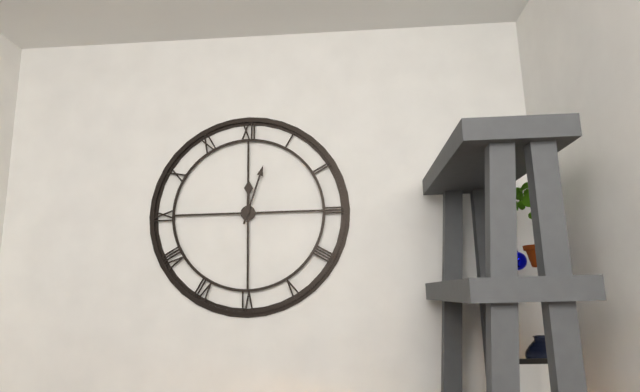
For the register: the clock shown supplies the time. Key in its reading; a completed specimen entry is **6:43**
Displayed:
**12:03**
